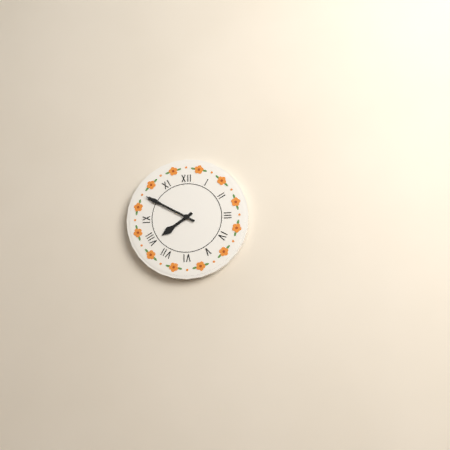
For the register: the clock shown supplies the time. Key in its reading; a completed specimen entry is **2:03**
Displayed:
**7:50**
